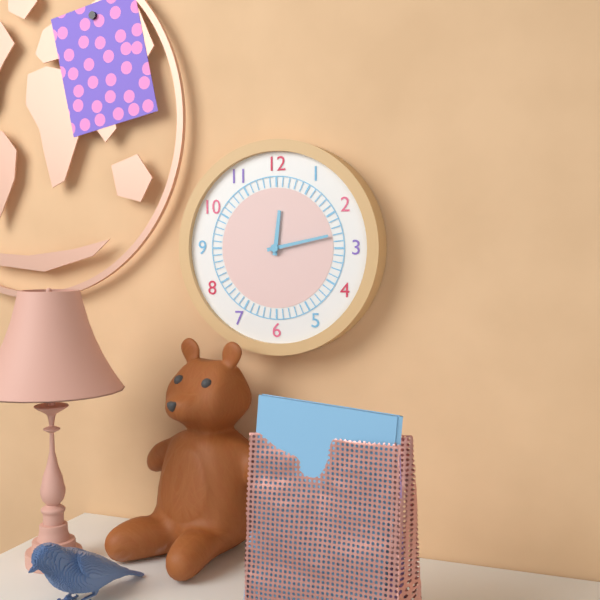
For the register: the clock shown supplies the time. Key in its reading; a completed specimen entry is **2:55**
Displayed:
**12:13**
